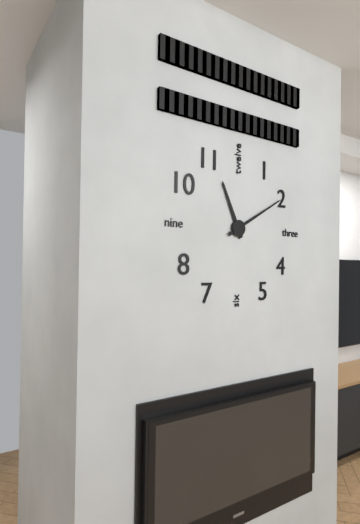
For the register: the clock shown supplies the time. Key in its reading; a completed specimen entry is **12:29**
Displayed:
**11:10**
